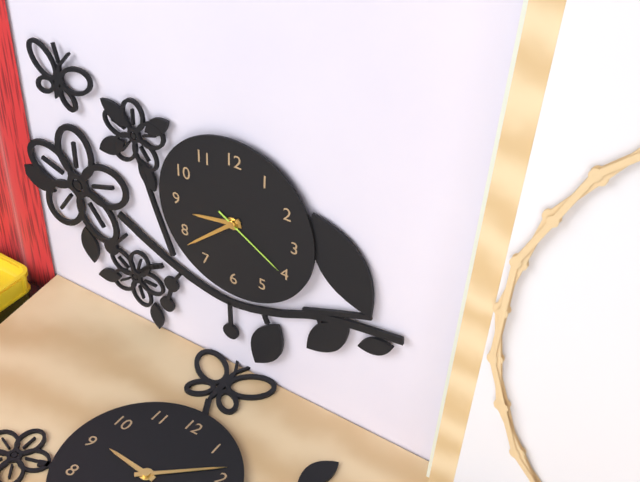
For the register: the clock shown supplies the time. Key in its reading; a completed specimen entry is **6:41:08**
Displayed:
**8:38:20**
